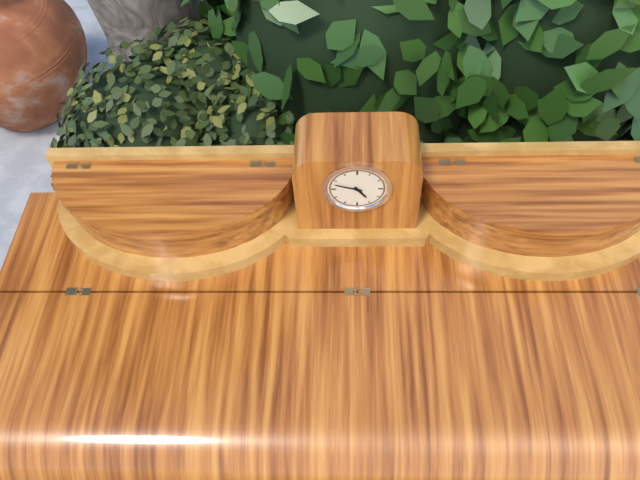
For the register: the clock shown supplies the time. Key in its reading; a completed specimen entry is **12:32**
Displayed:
**4:48**
